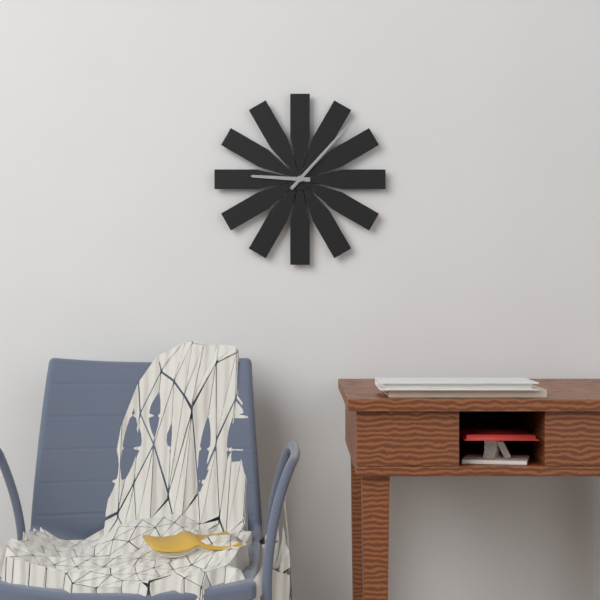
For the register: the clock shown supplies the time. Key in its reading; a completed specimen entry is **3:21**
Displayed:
**9:07**
